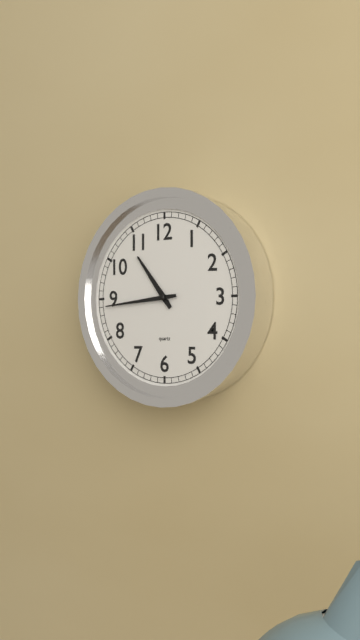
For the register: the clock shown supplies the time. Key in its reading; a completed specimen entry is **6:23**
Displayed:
**10:44**
